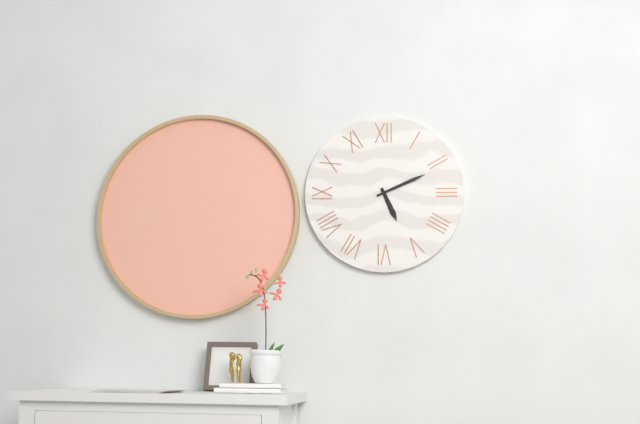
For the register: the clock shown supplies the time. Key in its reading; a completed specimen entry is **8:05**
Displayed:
**5:11**
